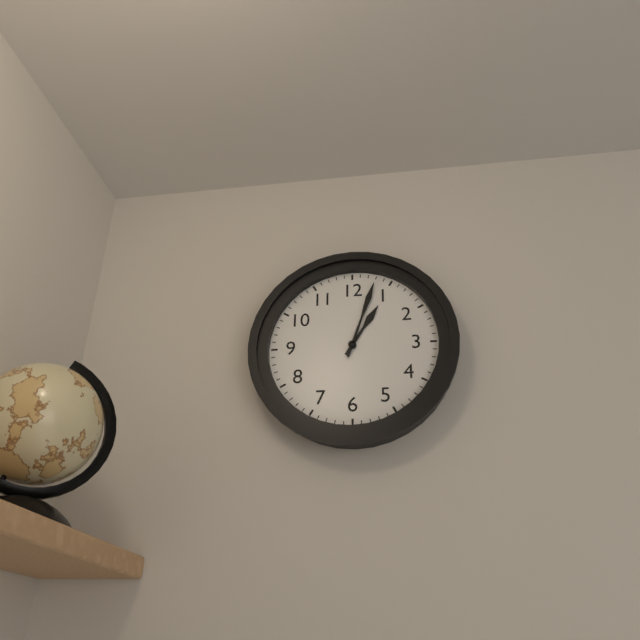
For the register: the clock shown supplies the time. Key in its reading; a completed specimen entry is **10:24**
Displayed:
**1:03**
